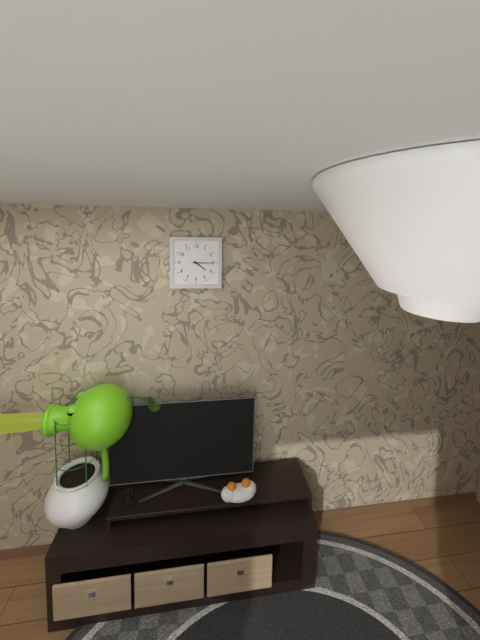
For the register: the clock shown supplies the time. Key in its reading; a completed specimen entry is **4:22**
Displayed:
**4:15**
